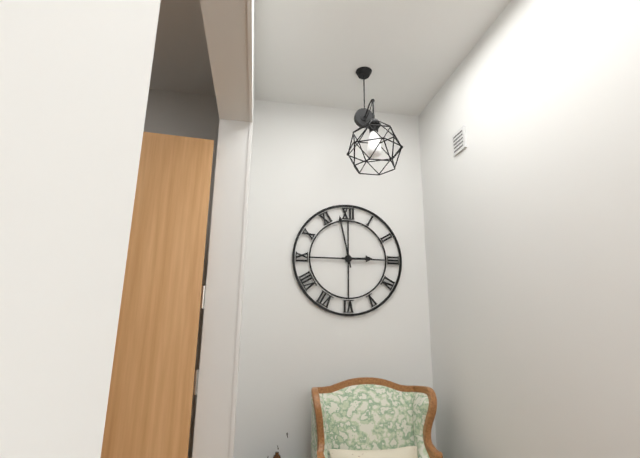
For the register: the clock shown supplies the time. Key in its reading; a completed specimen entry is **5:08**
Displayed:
**2:58**
